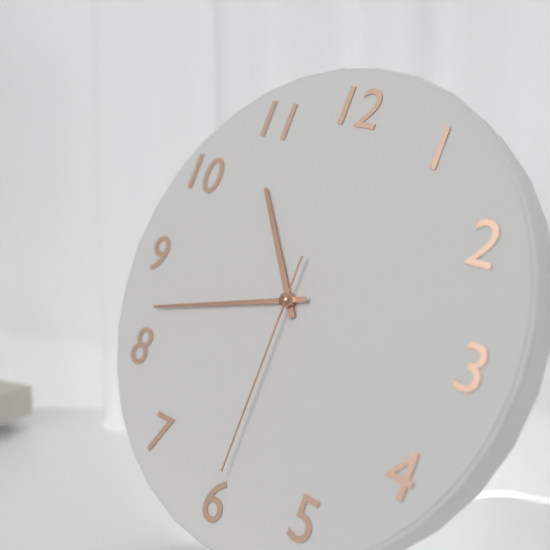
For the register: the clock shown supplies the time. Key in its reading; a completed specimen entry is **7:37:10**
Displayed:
**10:42:30**
